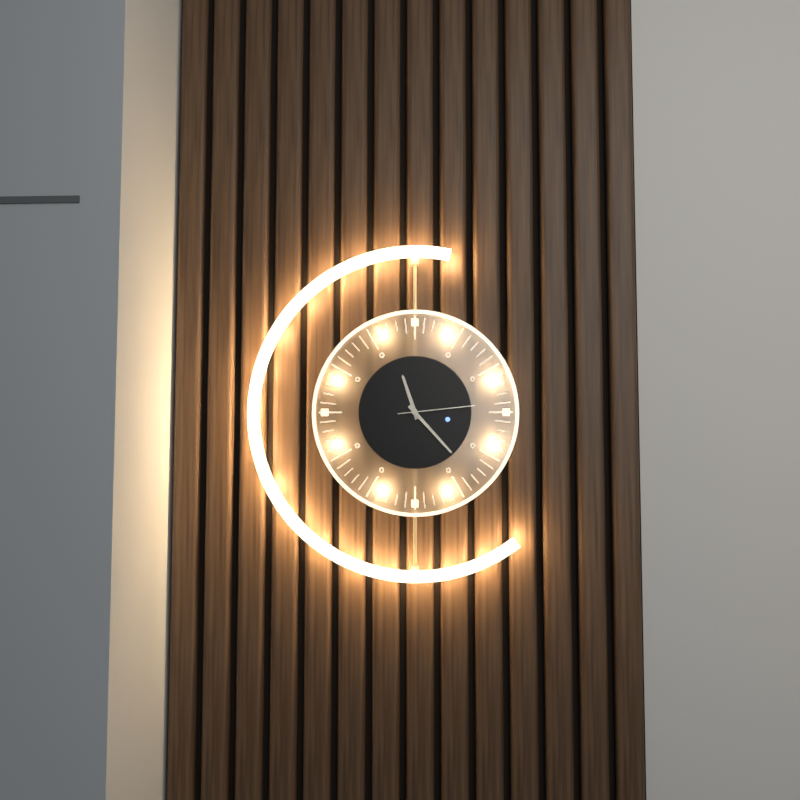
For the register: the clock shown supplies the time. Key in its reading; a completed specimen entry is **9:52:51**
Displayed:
**11:23:14**
